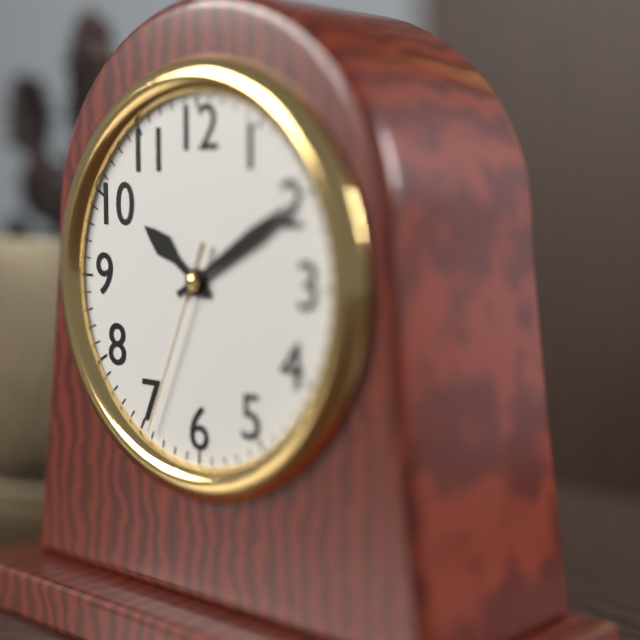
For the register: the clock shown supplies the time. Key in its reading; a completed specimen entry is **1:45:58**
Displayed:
**10:10:34**
